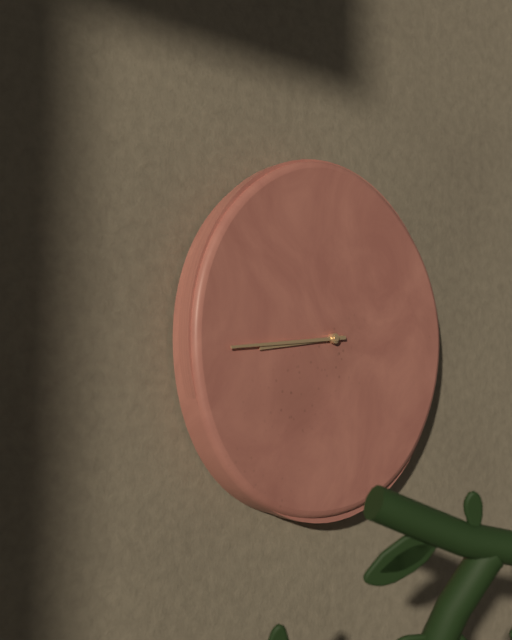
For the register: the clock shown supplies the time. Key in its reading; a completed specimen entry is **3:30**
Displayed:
**8:44**
